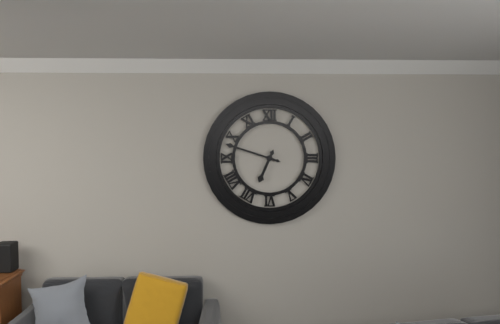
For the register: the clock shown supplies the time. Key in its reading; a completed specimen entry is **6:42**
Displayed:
**6:48**
